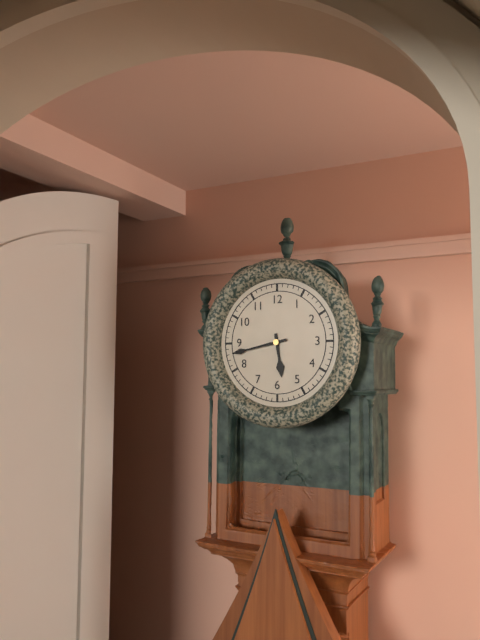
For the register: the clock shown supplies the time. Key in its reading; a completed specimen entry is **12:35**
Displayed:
**5:43**
